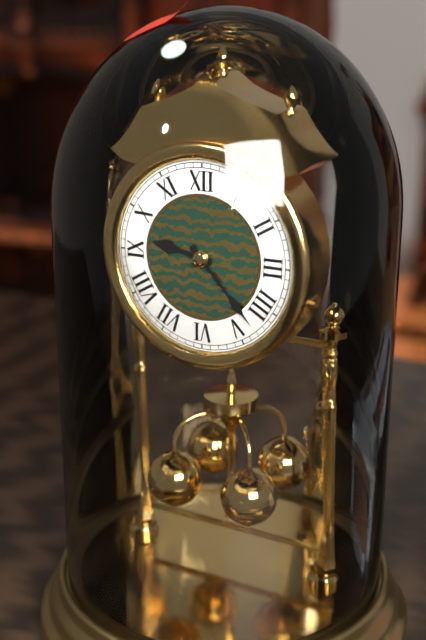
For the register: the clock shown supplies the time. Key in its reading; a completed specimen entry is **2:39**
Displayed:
**9:23**
